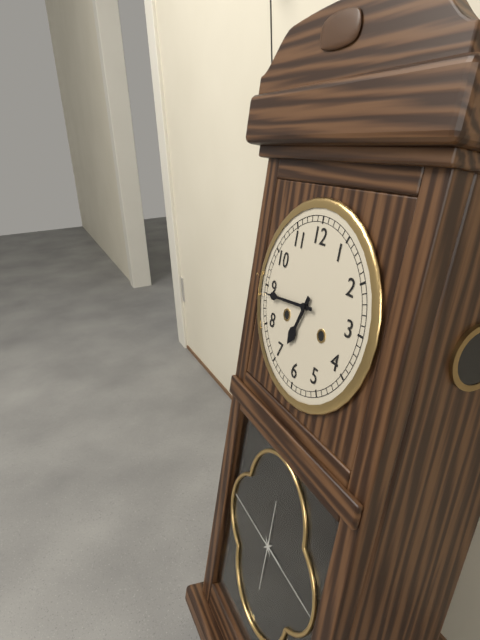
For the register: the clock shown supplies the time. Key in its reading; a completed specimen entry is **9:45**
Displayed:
**6:44**
